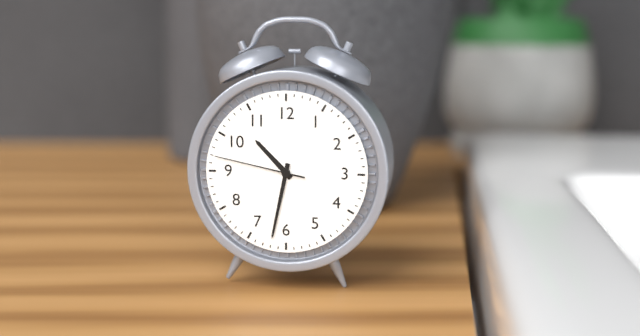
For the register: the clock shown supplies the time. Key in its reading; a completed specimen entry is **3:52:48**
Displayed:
**10:32:47**
